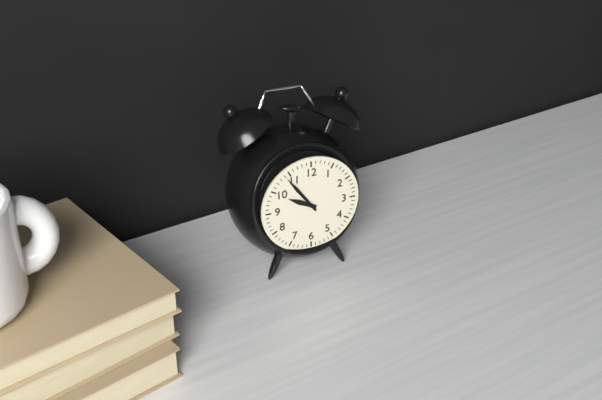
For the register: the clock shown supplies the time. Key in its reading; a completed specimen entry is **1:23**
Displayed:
**9:54**
